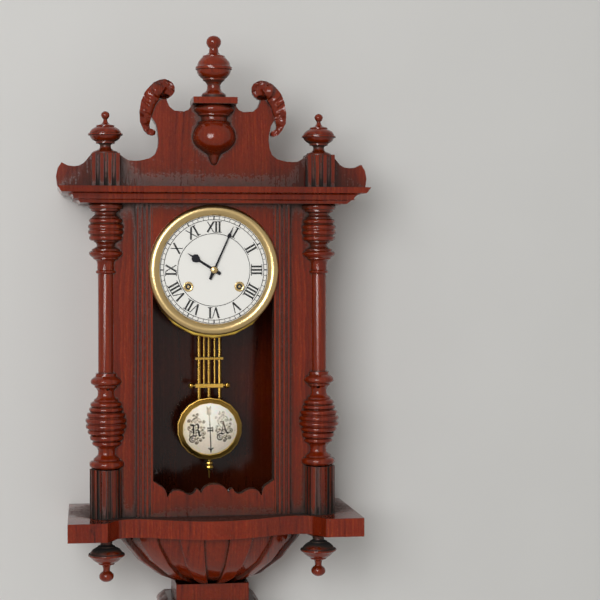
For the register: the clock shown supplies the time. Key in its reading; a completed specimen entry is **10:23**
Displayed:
**10:04**
